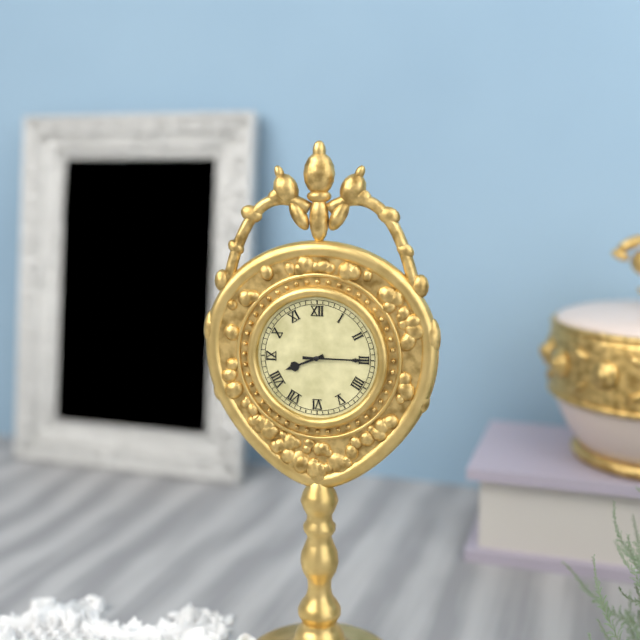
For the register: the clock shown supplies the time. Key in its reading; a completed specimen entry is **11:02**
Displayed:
**8:15**
